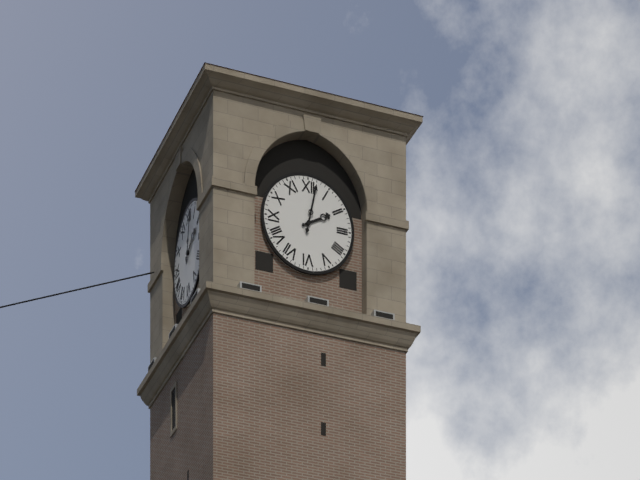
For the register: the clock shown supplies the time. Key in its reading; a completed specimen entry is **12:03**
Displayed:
**2:02**
